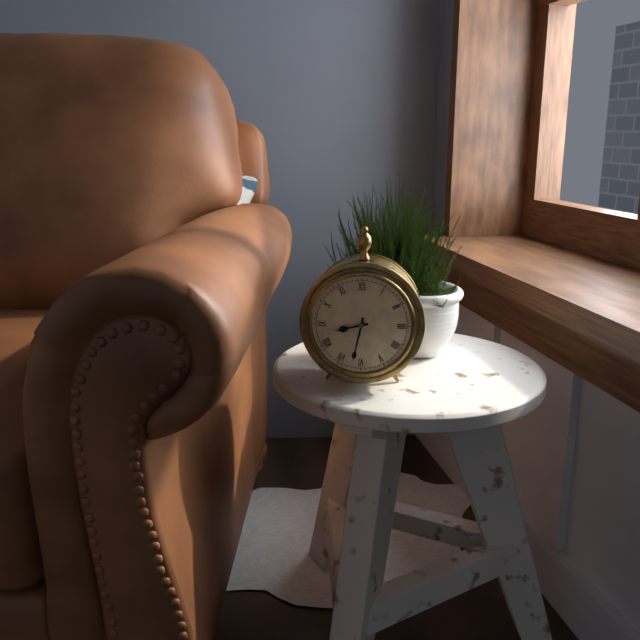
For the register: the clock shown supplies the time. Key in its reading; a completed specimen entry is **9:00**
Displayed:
**8:32**
